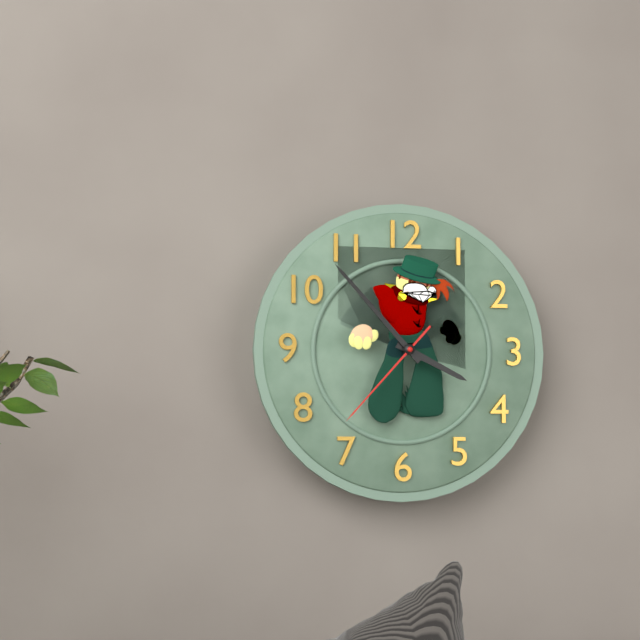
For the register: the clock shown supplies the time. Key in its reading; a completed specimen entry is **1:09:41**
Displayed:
**3:53:37**
